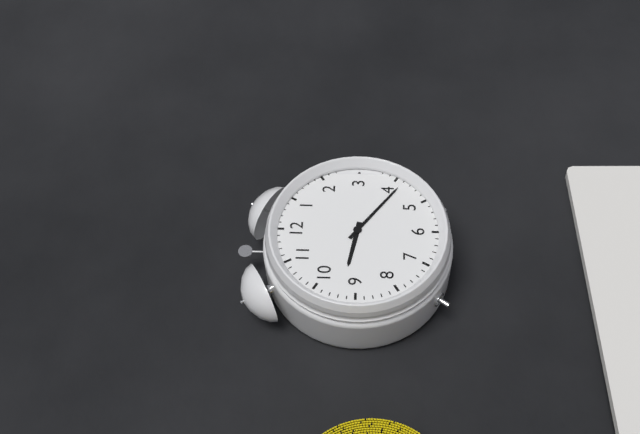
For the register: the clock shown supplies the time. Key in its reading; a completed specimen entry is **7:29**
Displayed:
**9:21**
